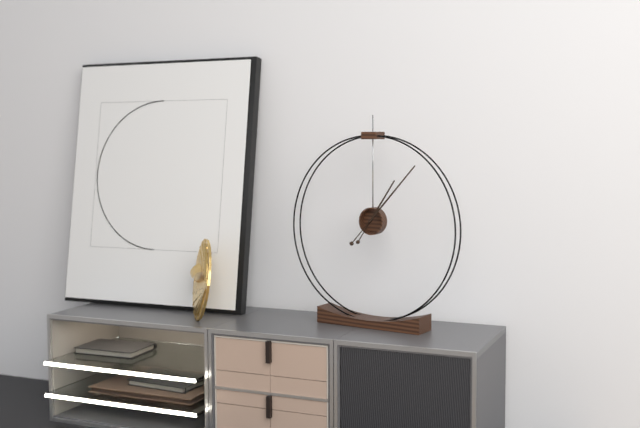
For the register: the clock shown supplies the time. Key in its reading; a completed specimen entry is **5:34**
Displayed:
**1:07**
